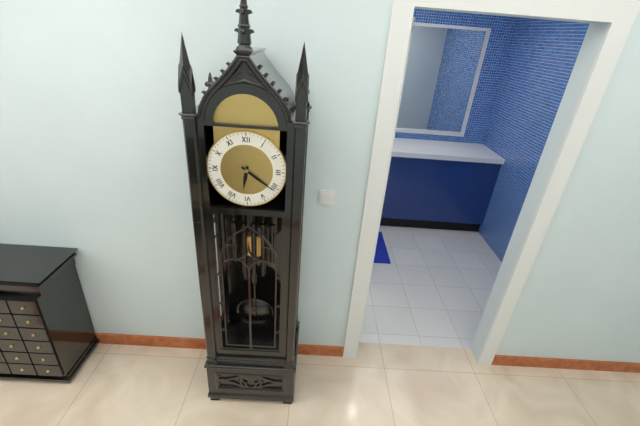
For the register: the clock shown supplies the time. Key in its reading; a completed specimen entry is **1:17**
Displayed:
**6:21**
